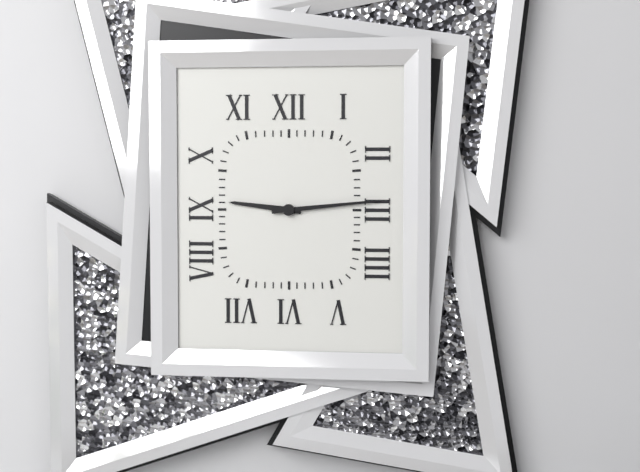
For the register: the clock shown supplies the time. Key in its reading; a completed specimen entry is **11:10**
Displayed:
**9:14**
